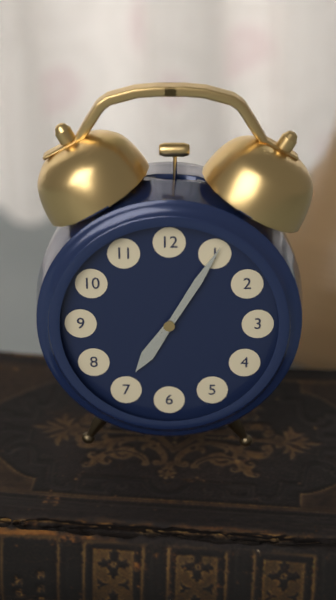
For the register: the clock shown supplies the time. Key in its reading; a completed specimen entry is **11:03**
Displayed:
**7:05**
